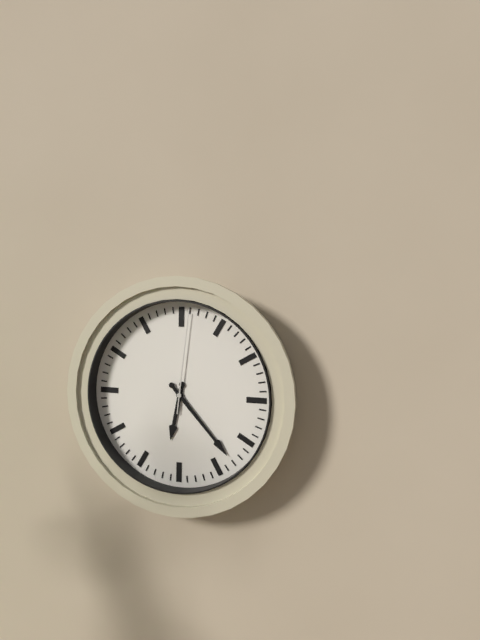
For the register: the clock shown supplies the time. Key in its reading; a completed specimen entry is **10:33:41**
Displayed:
**6:23:01**
